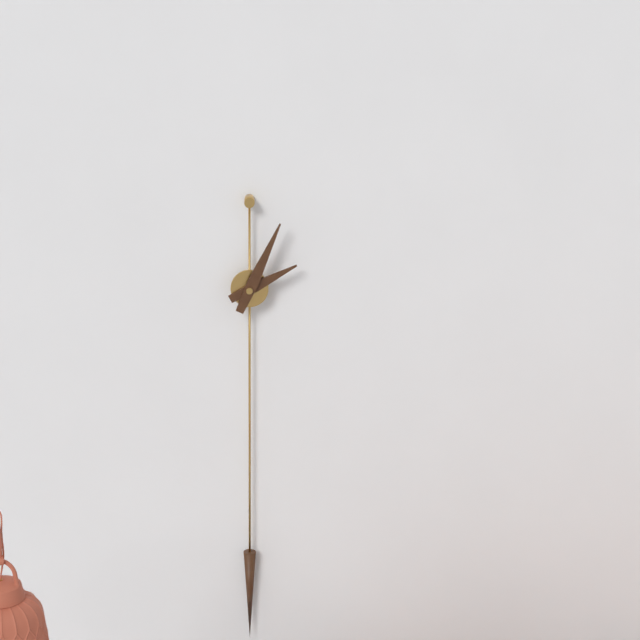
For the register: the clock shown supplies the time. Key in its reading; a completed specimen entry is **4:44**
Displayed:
**2:04**
